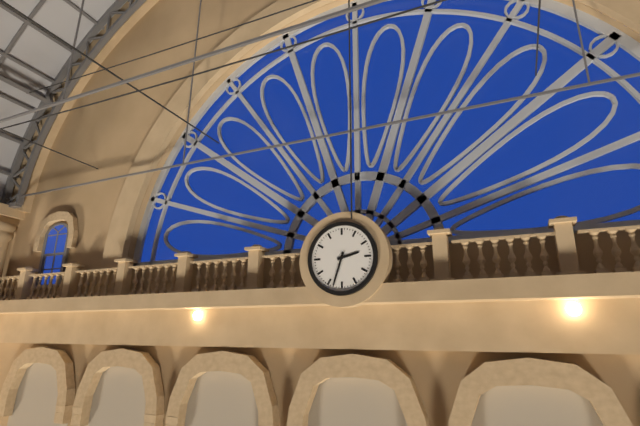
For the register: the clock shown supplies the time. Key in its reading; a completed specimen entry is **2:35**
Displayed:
**2:33**
